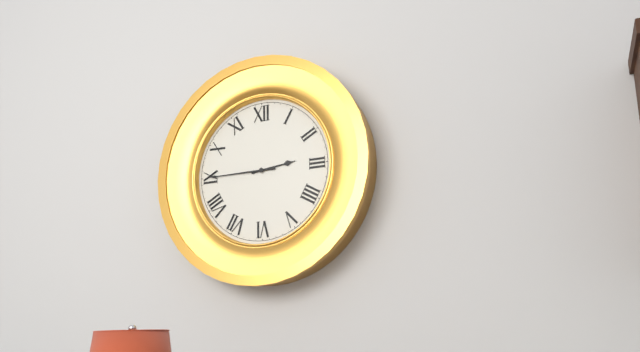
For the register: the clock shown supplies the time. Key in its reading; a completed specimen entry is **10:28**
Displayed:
**2:45**
